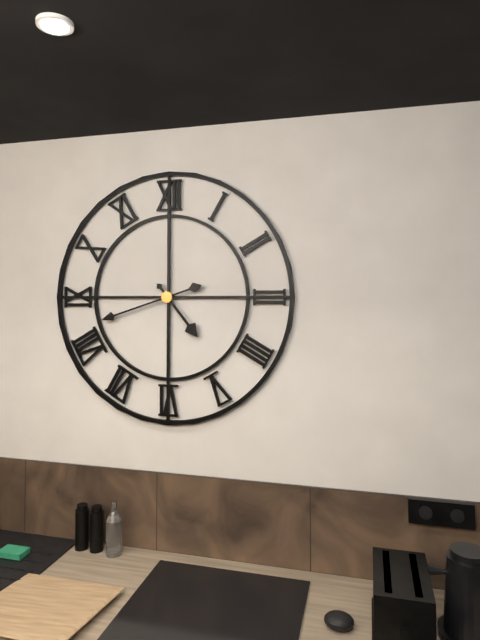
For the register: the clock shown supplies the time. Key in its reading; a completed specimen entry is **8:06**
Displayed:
**4:42**
